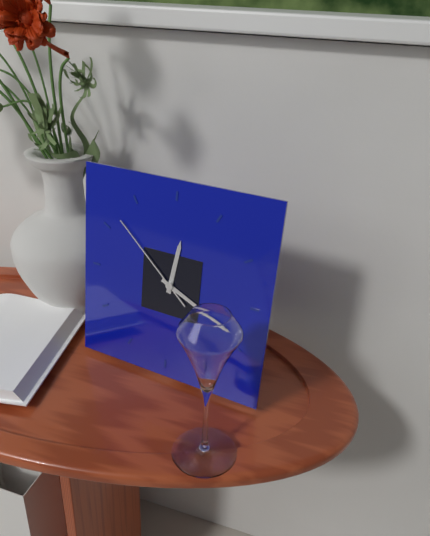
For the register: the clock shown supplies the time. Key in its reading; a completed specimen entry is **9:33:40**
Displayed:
**12:19:52**
